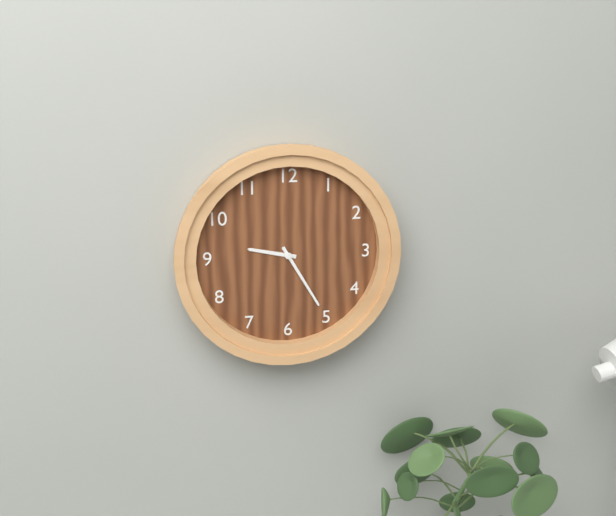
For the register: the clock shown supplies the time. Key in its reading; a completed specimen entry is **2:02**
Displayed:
**9:25**
